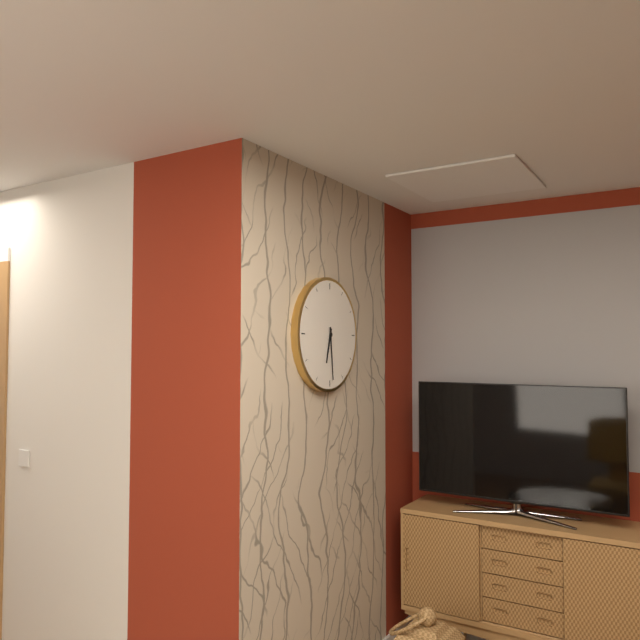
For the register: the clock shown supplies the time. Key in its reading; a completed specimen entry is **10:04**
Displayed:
**6:29**
